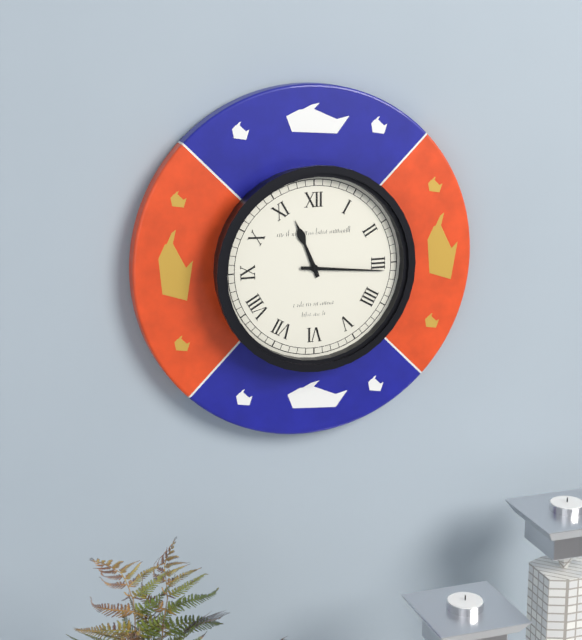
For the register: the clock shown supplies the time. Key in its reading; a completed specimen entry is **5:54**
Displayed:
**11:16**
